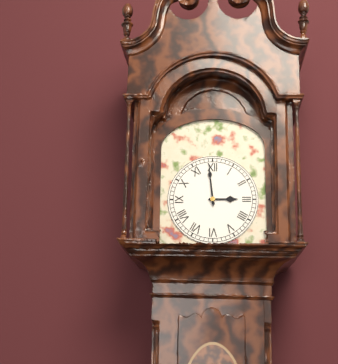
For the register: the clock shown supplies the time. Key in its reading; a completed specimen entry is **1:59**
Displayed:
**2:59**
